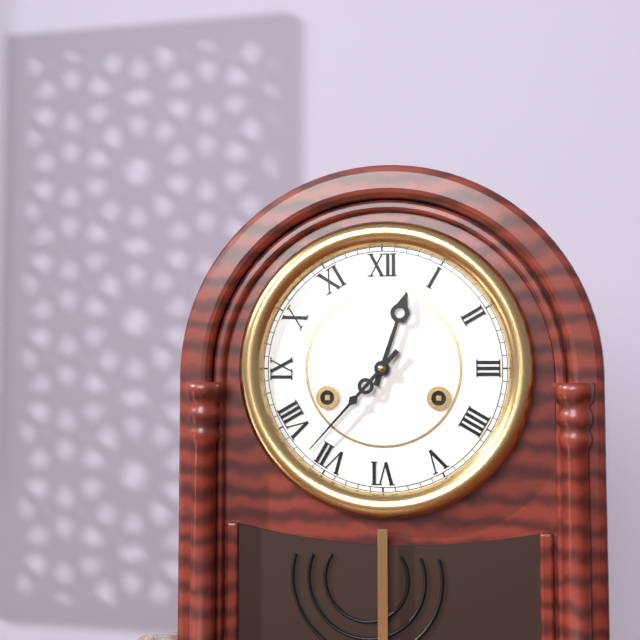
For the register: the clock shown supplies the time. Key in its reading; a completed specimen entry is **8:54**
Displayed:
**12:37**
